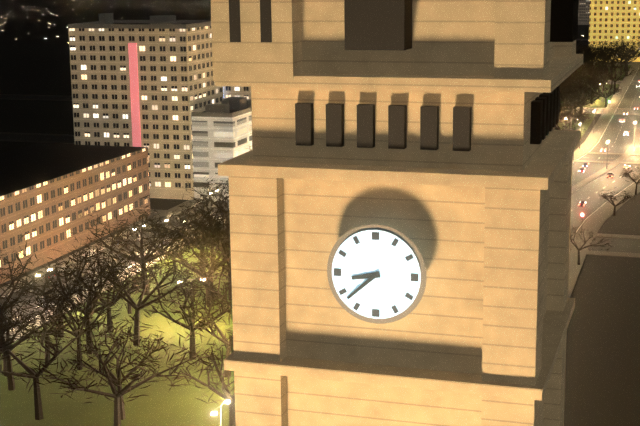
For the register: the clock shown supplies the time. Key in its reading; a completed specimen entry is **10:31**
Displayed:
**8:38**
